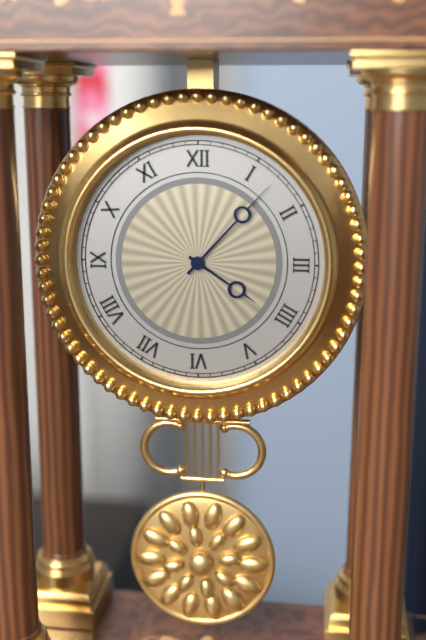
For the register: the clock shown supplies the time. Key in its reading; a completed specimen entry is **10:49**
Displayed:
**4:07**
